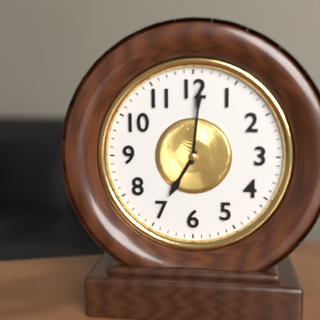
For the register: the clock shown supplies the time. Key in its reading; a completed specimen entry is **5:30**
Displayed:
**7:01**
